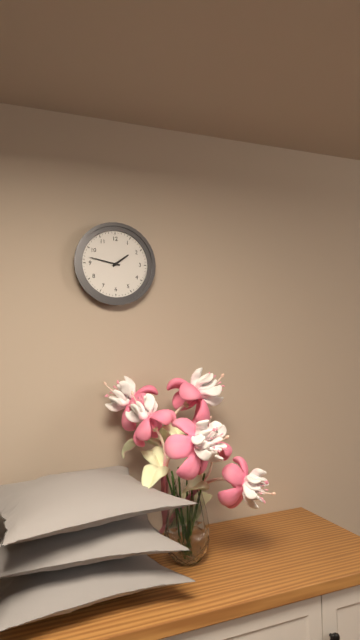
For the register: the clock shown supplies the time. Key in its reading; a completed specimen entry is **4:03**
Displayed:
**1:47**
